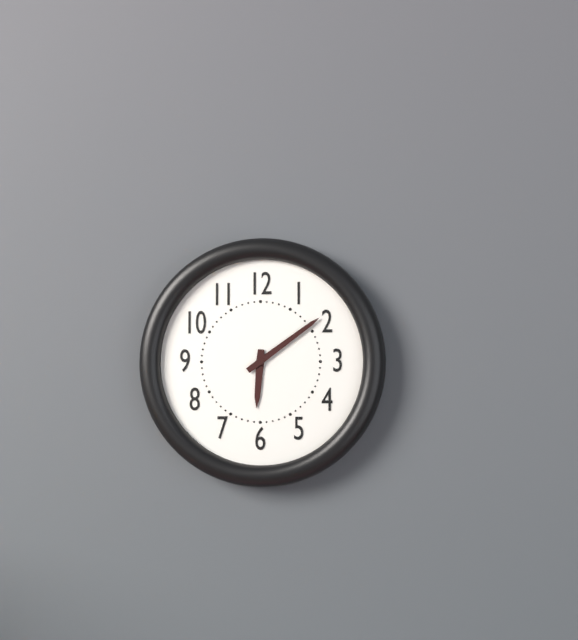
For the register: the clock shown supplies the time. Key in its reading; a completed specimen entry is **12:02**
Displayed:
**6:09**
